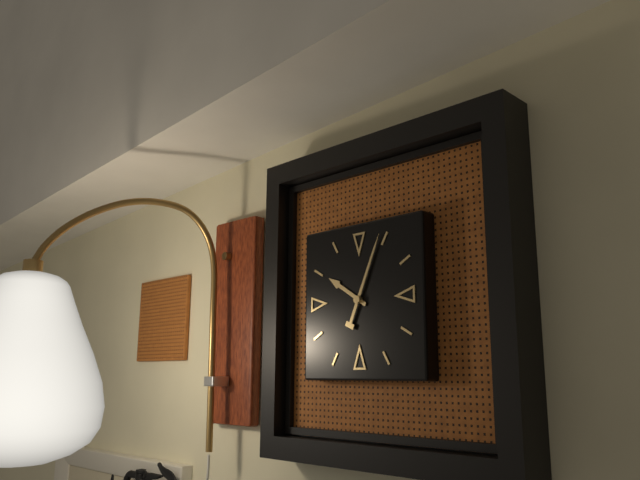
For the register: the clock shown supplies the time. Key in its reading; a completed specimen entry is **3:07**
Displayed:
**10:04**
